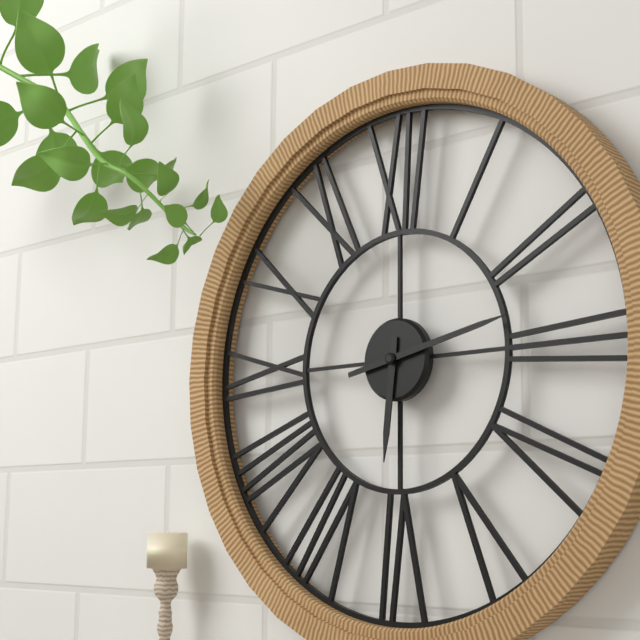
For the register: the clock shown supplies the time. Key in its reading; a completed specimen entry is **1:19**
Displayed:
**6:13**
